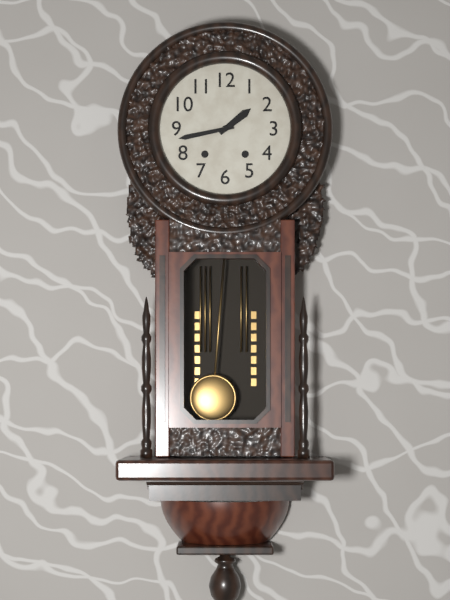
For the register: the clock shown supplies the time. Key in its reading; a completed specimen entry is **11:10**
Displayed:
**1:43**
